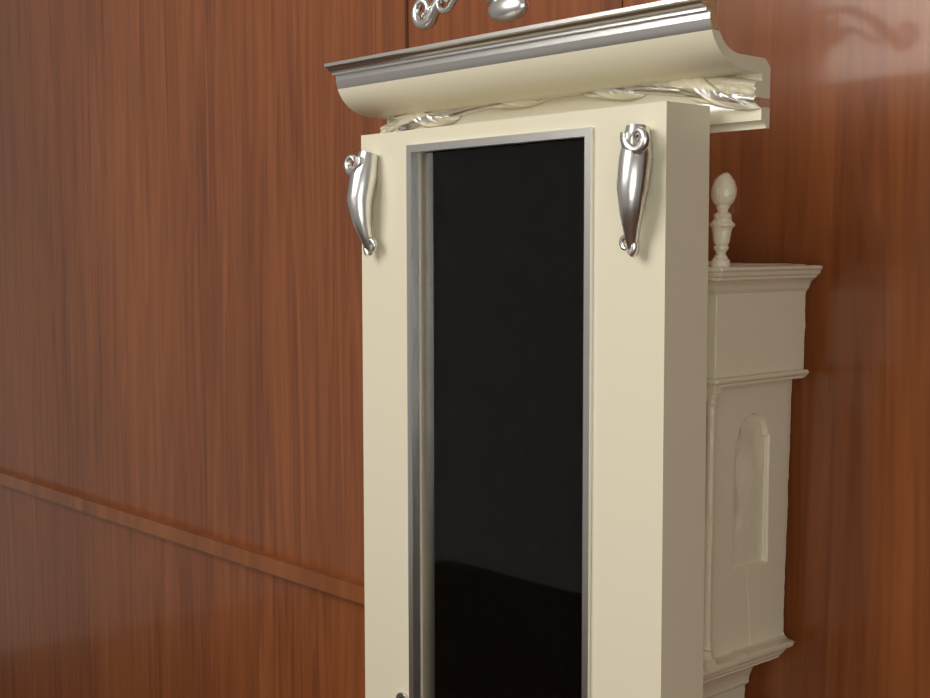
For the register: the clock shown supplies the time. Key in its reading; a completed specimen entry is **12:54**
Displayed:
**2:36**
